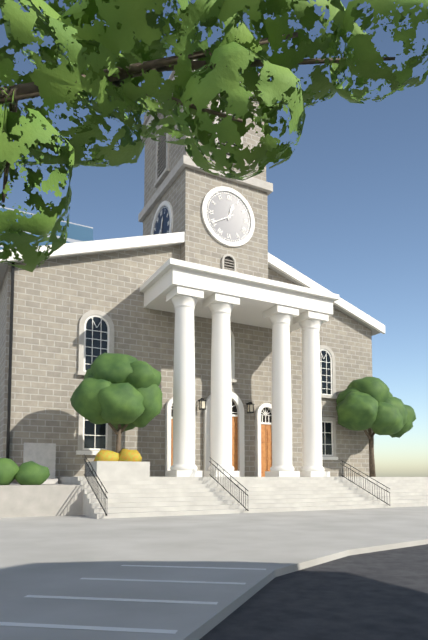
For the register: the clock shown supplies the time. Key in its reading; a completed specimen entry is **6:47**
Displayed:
**12:40**
